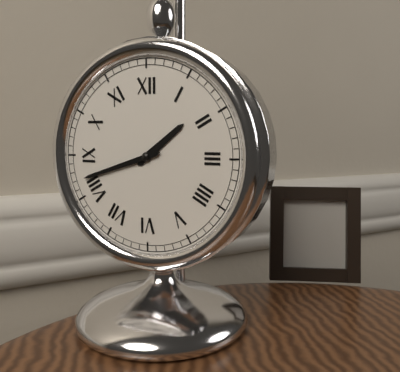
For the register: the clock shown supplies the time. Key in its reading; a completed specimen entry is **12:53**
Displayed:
**1:42**
